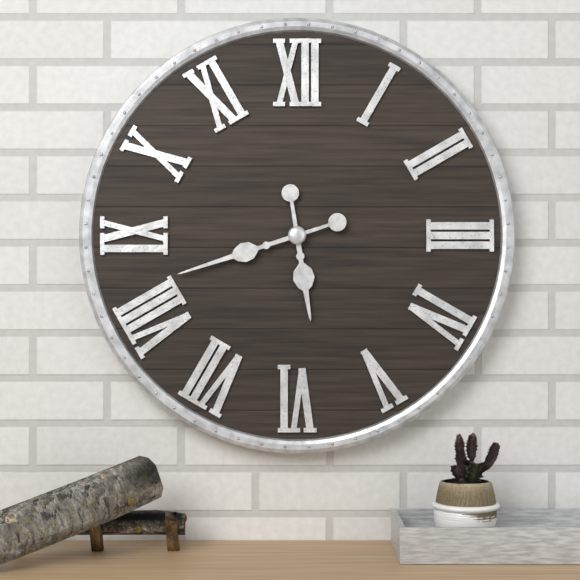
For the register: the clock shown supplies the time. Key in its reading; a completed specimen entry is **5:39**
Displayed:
**5:42**
